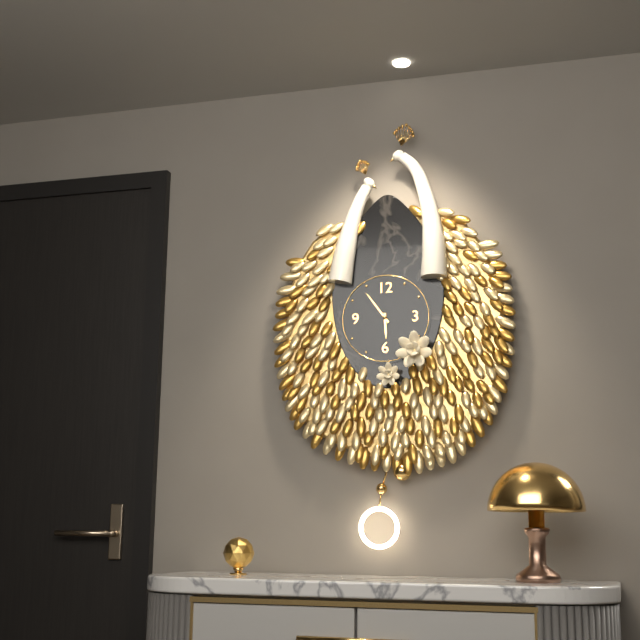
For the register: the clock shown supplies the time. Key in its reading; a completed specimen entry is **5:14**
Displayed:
**5:54**
